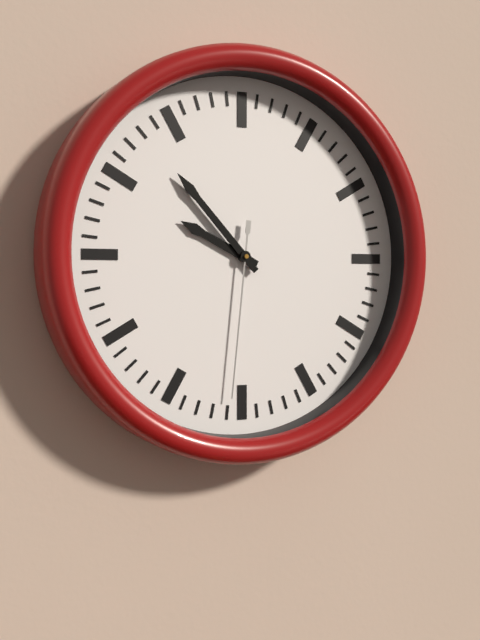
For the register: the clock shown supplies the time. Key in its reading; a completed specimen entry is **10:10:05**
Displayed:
**9:53:31**
